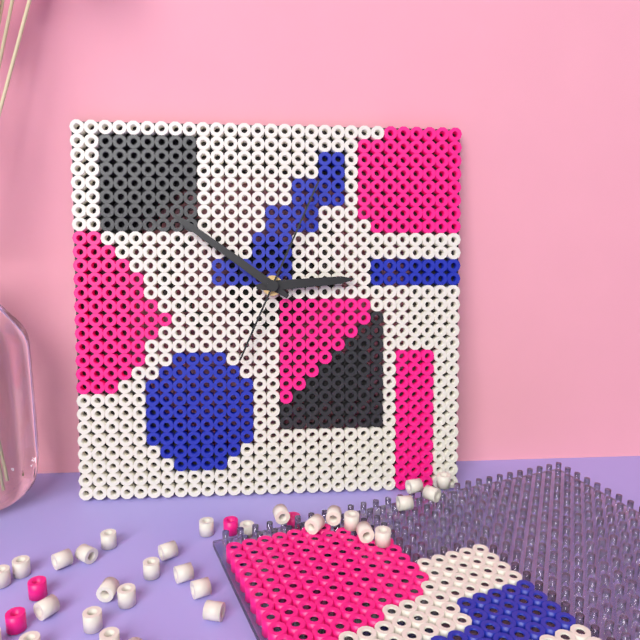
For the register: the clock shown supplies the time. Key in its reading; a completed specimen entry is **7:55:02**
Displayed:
**2:51:04**
